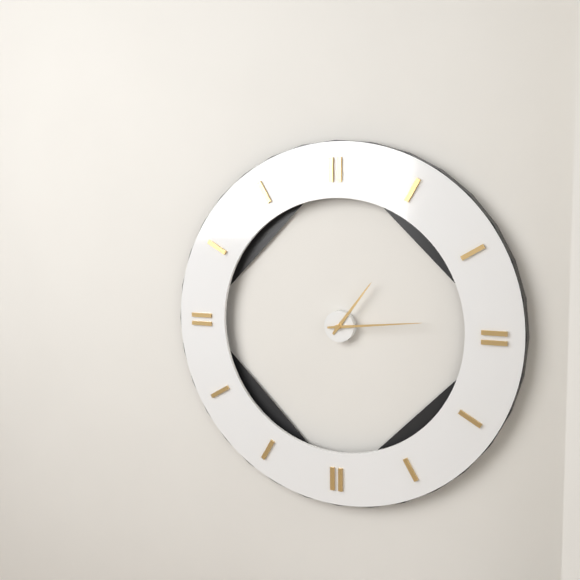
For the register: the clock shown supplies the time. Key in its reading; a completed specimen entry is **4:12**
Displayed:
**1:14**
